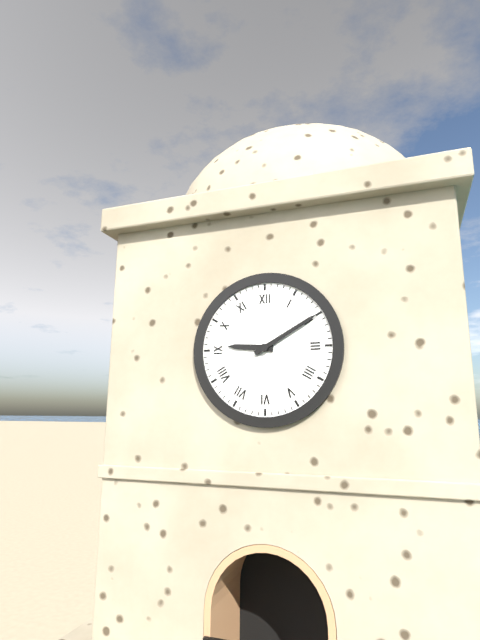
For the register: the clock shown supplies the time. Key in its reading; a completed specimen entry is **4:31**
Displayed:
**9:10**
